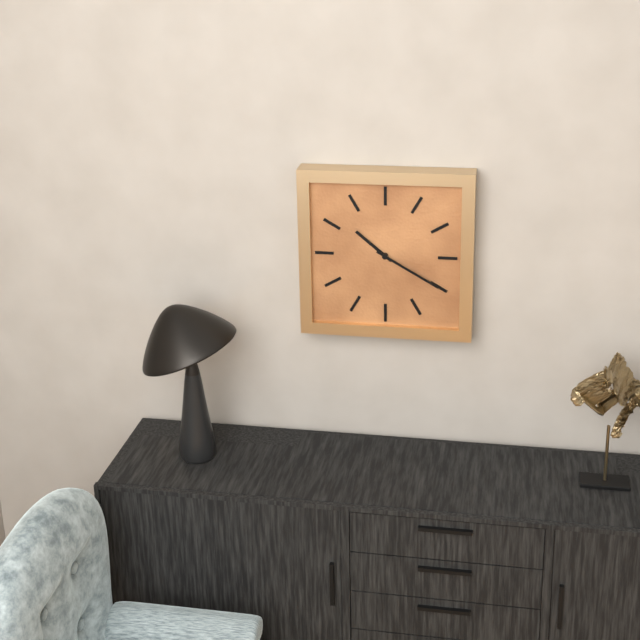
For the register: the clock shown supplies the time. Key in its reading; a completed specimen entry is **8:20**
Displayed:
**10:20**
